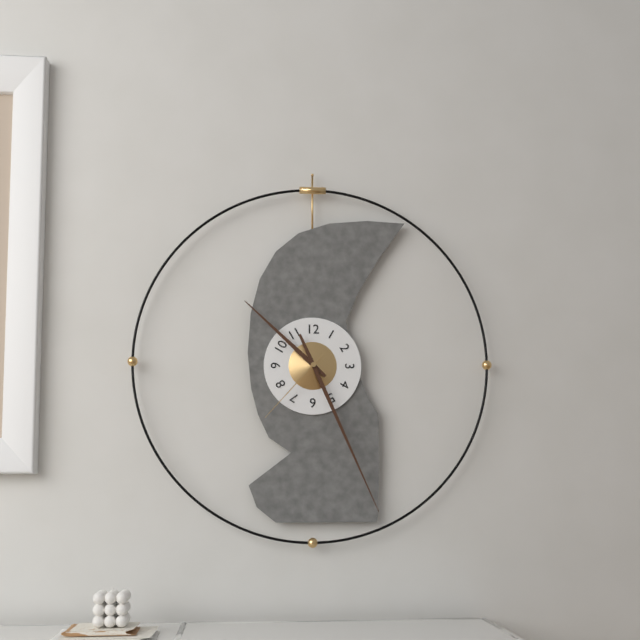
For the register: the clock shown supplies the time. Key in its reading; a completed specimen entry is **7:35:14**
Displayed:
**10:26:37**
